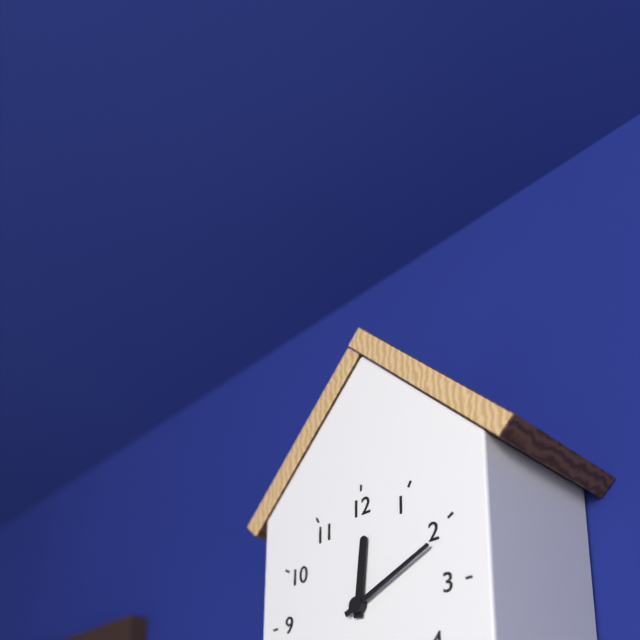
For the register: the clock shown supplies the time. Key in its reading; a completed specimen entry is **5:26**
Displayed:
**12:11**
